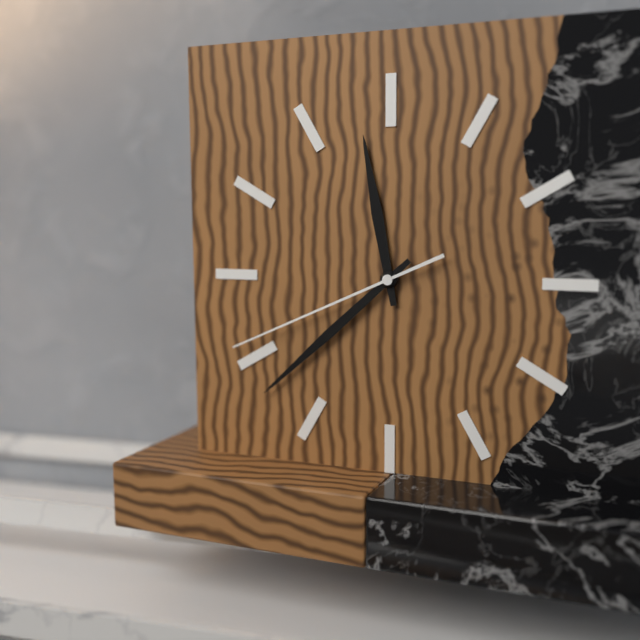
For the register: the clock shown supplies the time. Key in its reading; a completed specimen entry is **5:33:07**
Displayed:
**11:38:41**
